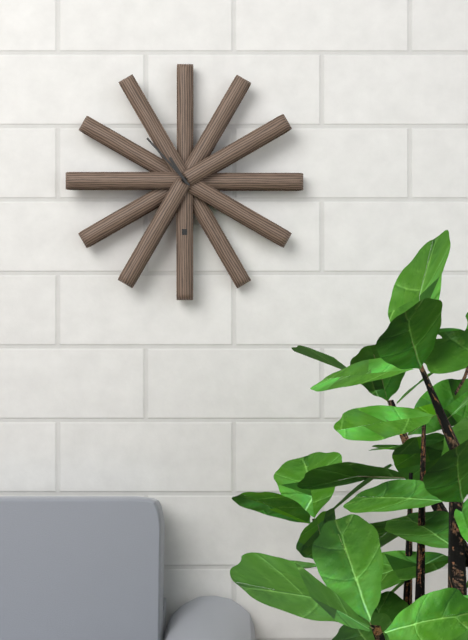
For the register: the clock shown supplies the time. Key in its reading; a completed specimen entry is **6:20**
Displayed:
**10:53**
